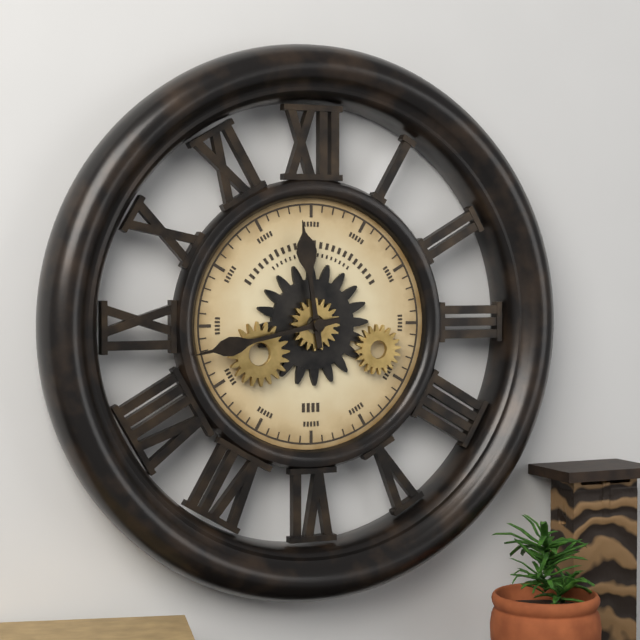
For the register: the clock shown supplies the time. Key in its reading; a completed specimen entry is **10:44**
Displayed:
**11:43**
